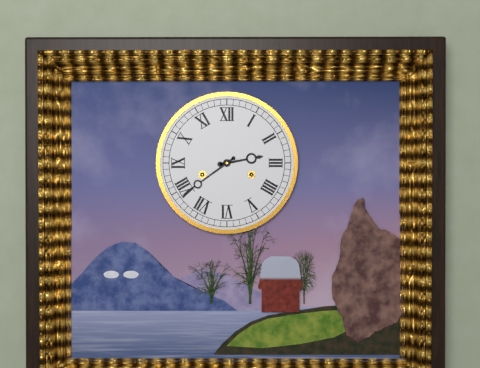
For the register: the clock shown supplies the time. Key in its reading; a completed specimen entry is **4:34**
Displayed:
**2:39**
